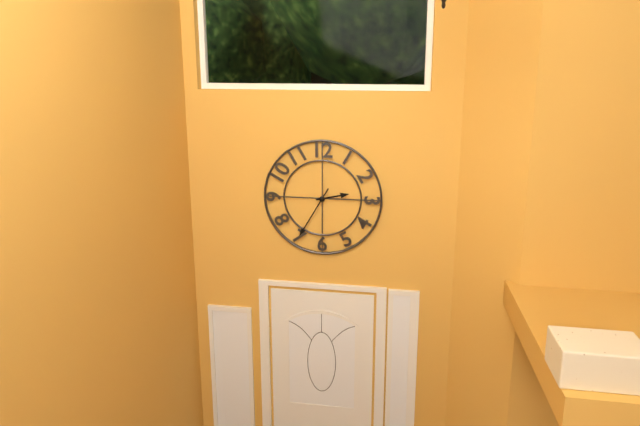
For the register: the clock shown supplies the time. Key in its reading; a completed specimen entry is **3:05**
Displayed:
**2:35**
